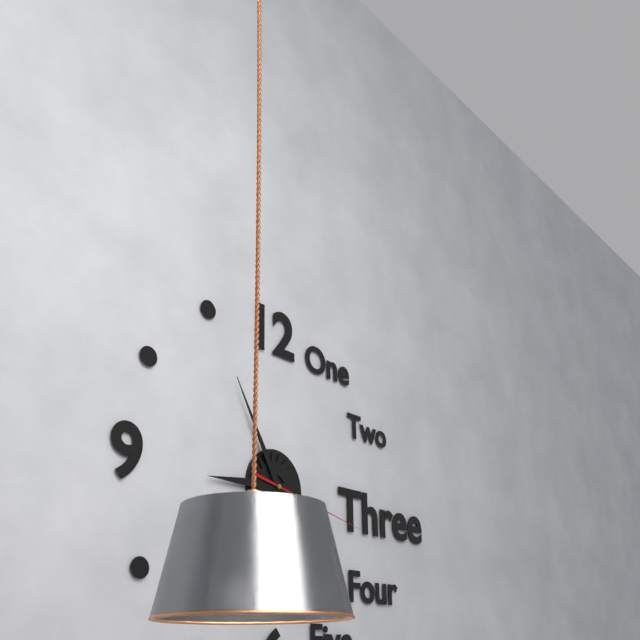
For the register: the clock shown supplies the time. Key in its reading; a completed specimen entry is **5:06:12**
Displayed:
**8:55:17**
